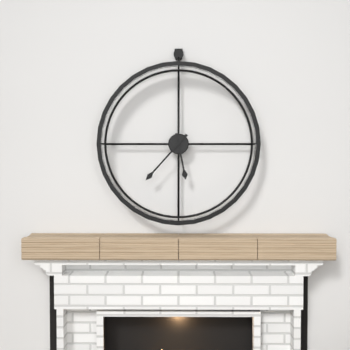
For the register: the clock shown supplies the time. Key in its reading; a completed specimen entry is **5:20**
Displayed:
**5:37**
